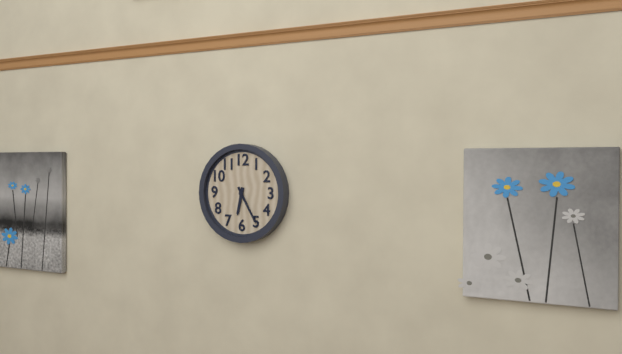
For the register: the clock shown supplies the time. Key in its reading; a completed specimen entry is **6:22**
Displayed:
**6:25**
